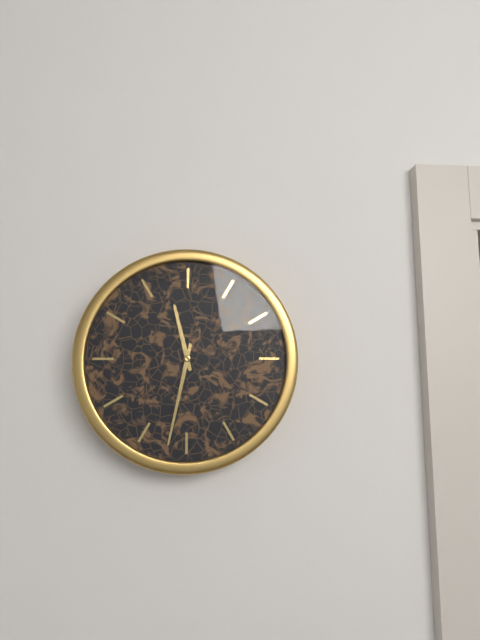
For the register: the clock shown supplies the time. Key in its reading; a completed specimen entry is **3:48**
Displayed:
**11:32**
